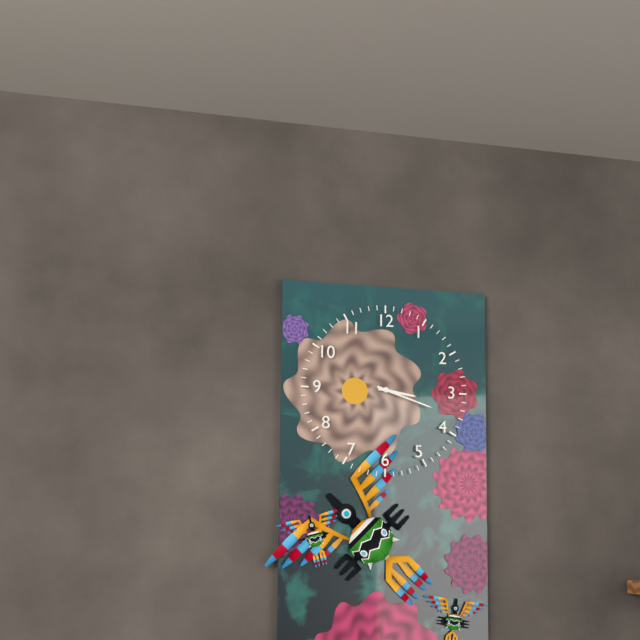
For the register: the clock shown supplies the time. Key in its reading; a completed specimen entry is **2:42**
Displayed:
**3:18**
